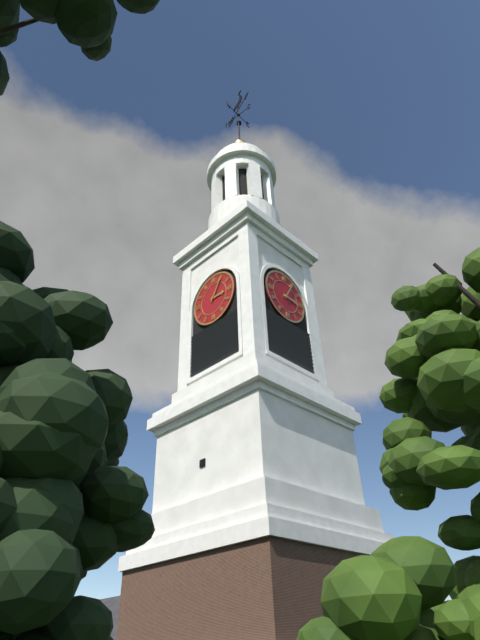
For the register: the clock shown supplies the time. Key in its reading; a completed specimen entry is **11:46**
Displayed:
**3:05**
